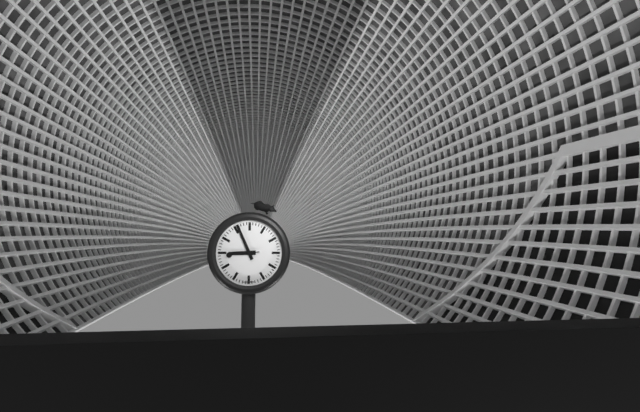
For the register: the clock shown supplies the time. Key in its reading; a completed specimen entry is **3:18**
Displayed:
**8:56**
